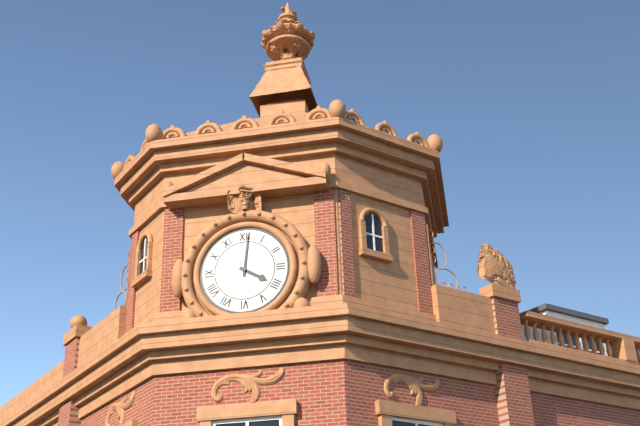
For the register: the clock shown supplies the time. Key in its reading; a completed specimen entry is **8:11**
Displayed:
**4:01**
